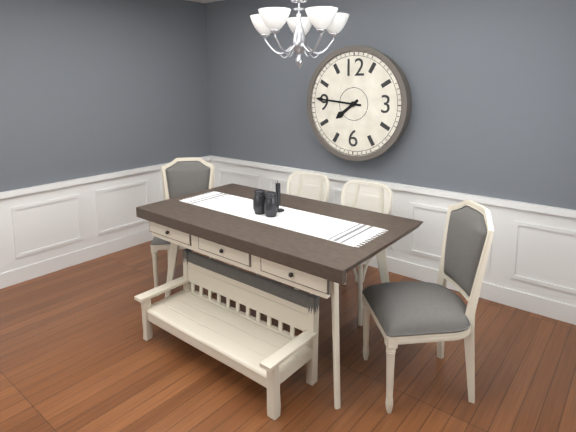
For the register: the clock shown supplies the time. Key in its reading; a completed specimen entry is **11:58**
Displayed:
**7:46**
